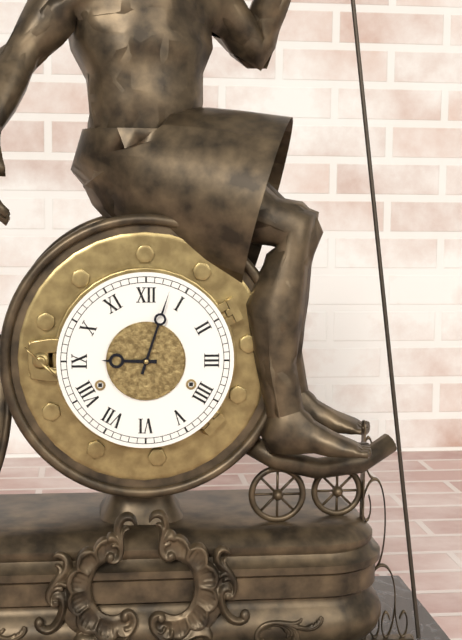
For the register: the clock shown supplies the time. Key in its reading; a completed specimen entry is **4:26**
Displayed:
**9:03**
